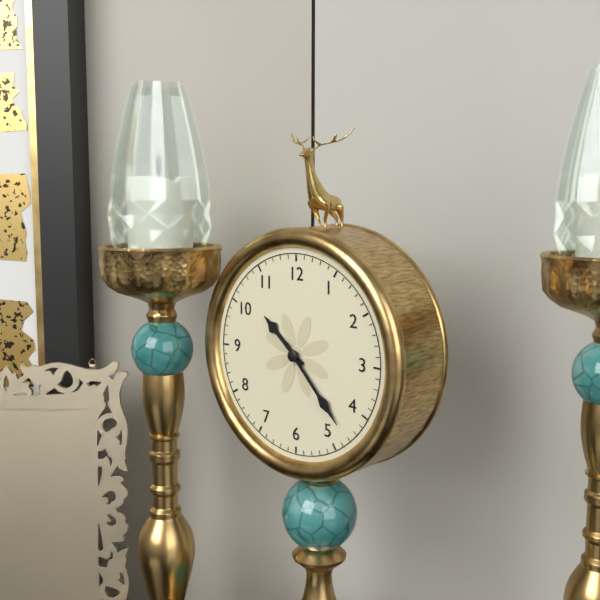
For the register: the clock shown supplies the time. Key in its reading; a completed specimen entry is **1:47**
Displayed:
**10:23**
